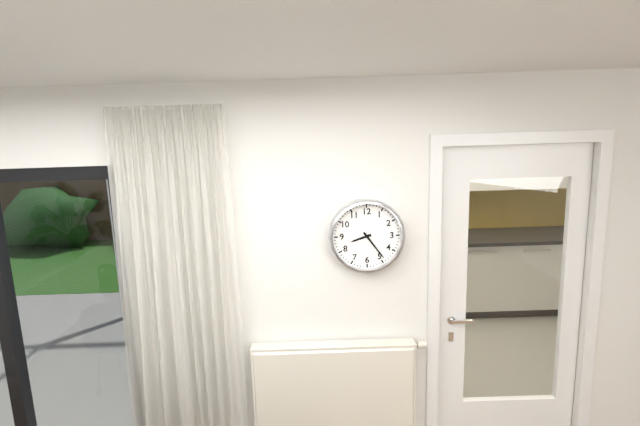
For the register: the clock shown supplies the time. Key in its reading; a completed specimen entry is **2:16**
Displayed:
**8:24**
